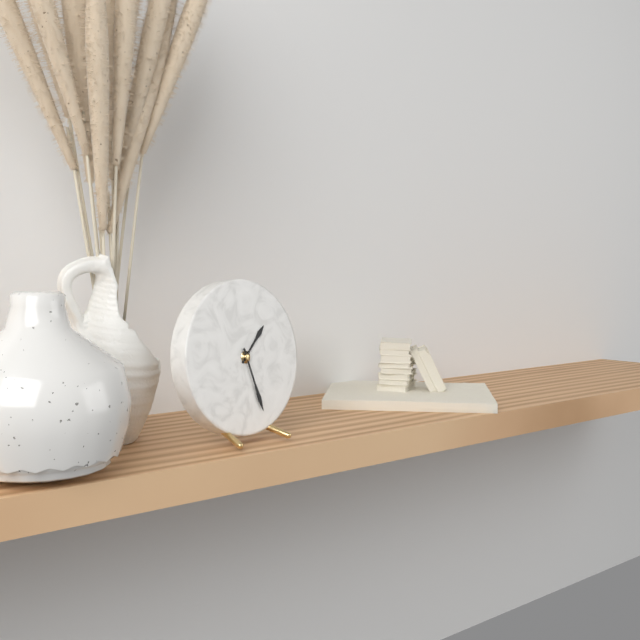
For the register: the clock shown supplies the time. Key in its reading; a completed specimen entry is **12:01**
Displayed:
**1:27**
